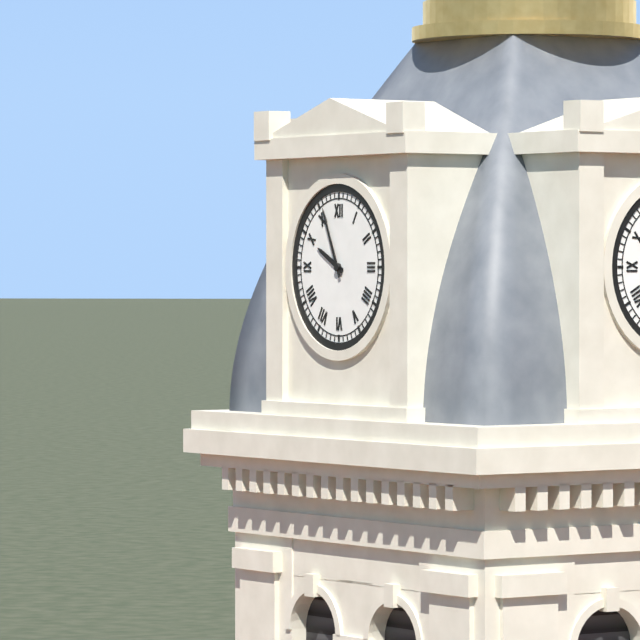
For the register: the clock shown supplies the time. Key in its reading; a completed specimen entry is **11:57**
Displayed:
**9:56**
